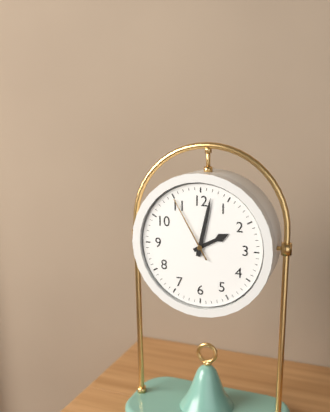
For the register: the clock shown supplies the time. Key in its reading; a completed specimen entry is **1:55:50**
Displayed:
**2:02:55**
